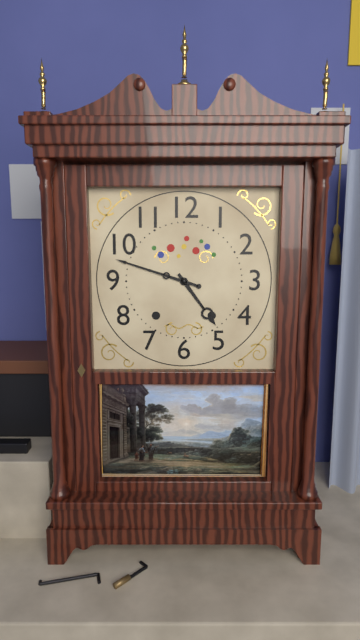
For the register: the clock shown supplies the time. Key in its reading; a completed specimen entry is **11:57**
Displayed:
**4:48**
